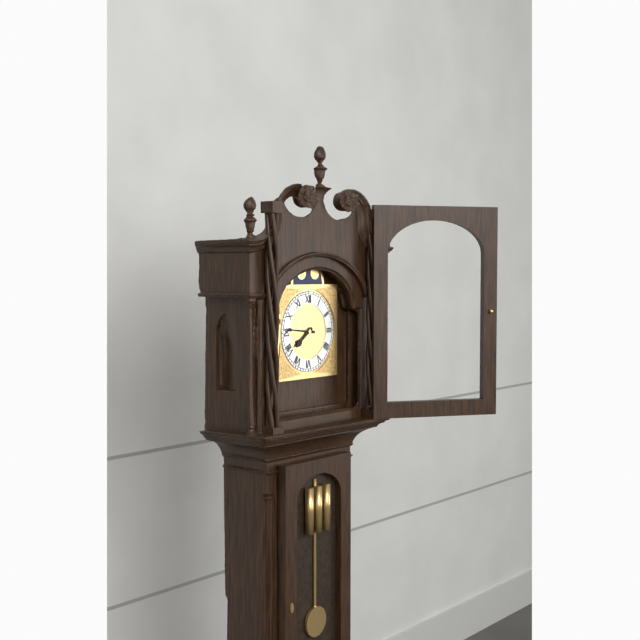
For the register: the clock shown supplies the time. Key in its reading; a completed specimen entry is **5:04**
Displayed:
**7:46**
